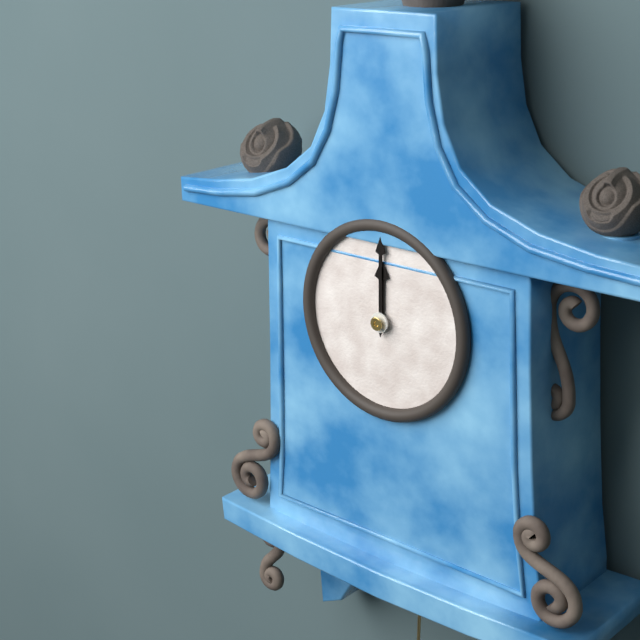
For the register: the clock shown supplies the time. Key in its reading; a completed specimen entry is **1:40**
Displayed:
**12:00**
